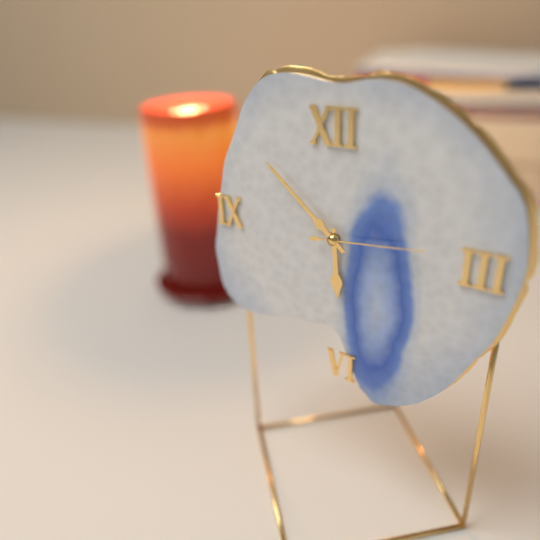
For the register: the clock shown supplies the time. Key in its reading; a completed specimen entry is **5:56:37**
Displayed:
**5:52:14**
